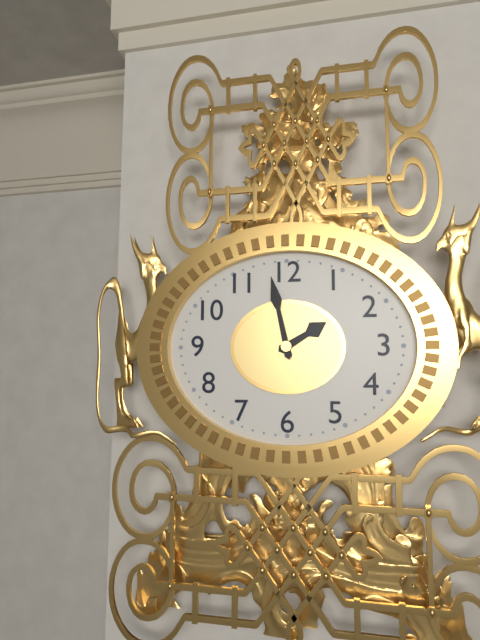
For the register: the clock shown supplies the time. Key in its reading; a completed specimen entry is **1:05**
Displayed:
**1:58**
